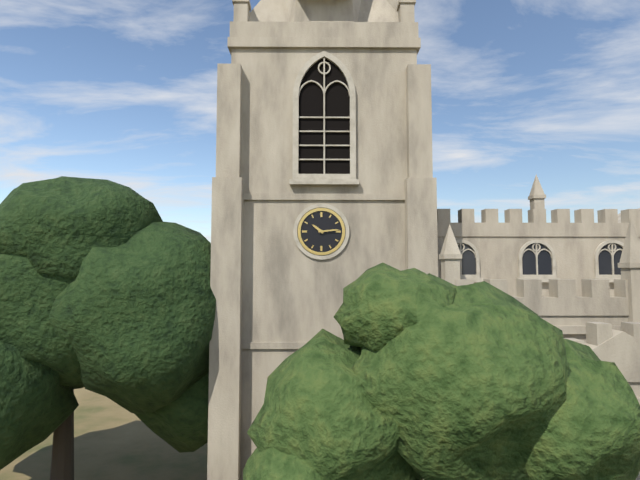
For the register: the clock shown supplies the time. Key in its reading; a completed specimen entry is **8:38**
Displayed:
**10:14**
